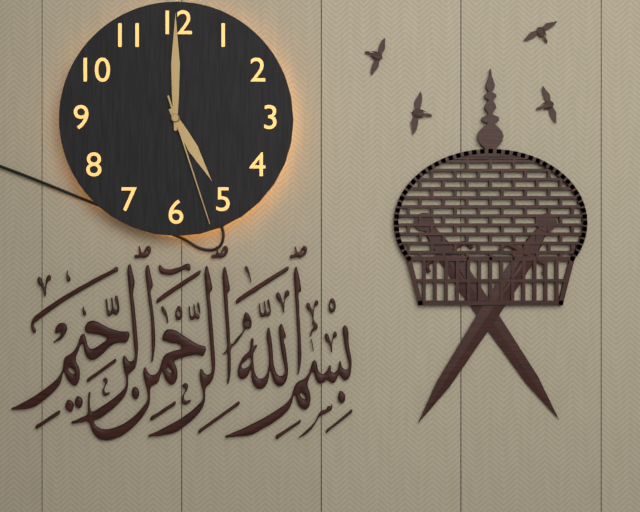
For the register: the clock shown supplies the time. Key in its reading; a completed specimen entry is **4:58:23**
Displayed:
**5:00:27**
